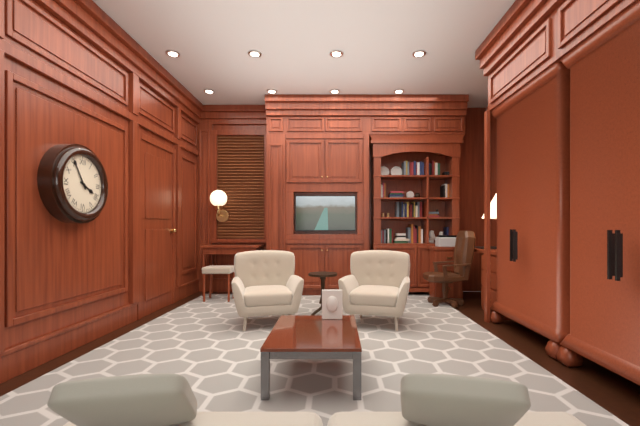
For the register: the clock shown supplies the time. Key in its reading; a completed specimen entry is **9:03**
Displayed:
**3:55**
